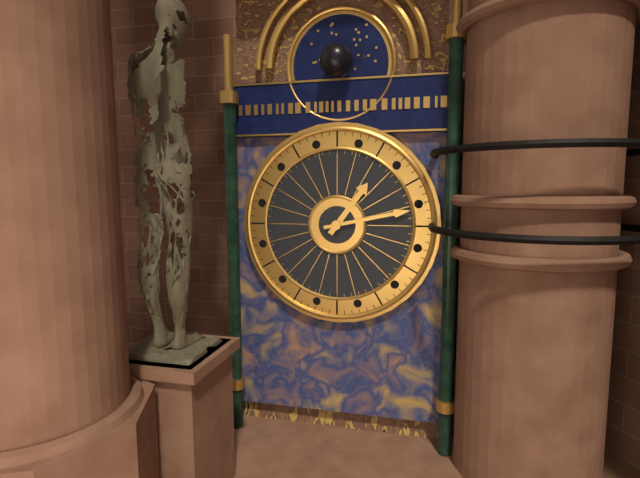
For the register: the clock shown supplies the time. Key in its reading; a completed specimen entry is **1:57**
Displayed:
**1:13**
